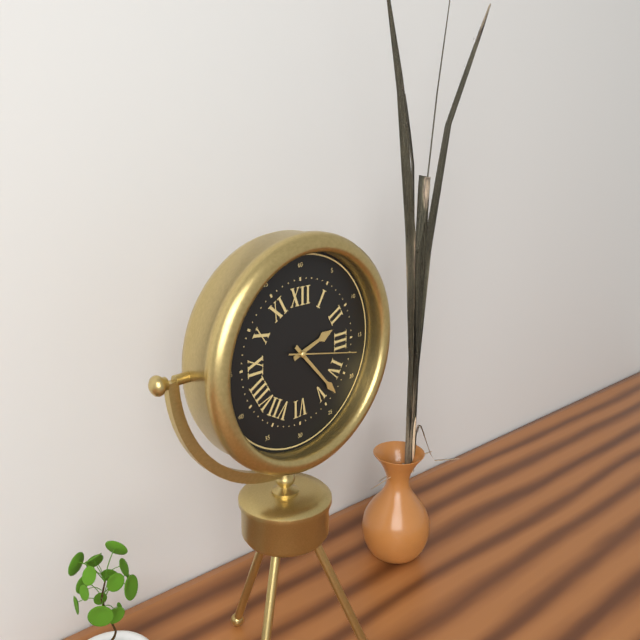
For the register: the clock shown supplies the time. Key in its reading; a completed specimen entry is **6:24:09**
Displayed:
**2:23:17**
